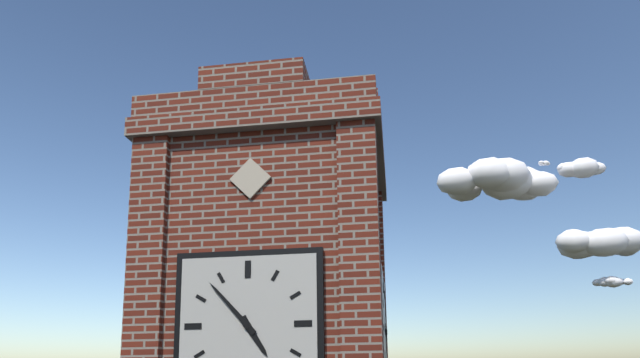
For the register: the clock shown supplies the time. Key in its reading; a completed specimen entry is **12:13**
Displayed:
**4:53**
